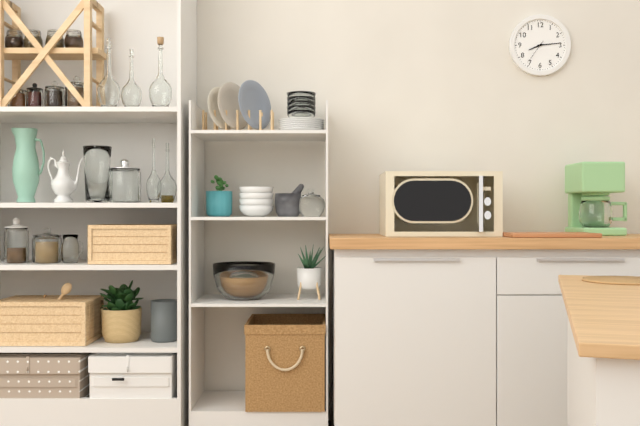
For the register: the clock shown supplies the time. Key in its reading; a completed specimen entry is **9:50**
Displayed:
**8:14**
